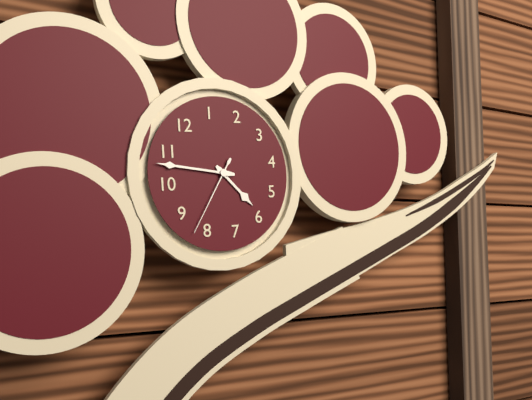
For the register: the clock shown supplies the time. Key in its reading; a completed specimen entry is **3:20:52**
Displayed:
**5:53:42**
